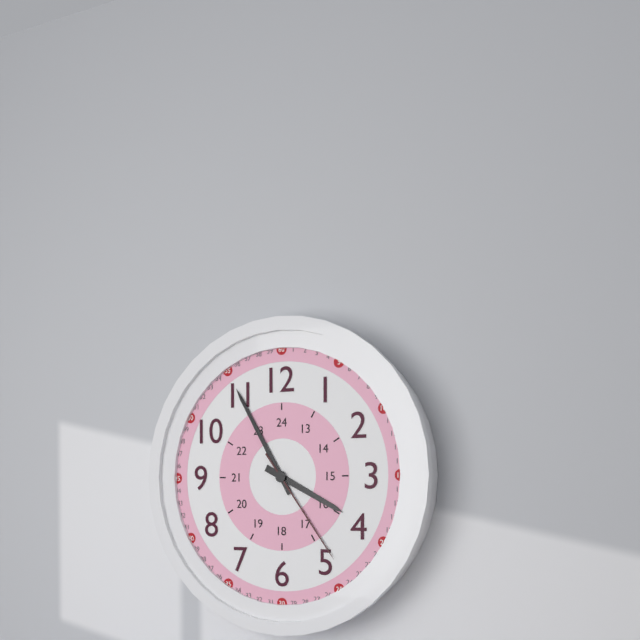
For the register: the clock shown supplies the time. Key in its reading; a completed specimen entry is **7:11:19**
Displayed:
**3:55:24**
